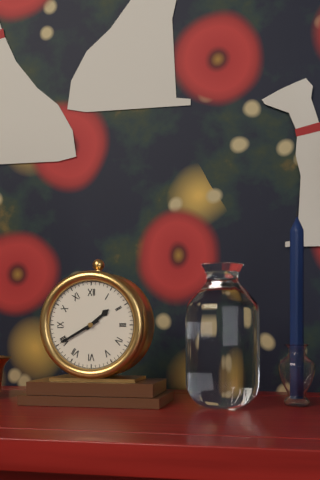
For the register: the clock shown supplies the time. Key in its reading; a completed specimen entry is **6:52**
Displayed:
**1:40**
